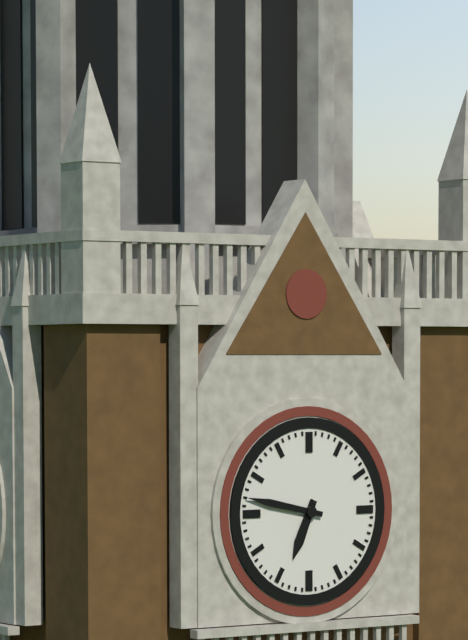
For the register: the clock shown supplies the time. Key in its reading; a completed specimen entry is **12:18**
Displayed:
**6:47**
